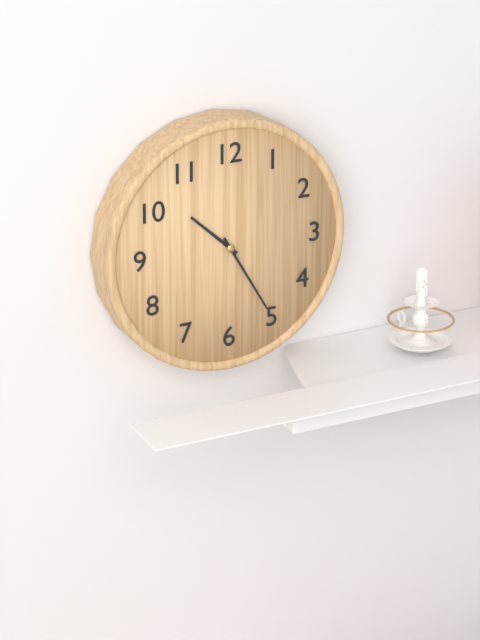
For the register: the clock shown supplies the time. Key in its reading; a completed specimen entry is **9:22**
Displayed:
**10:25**
